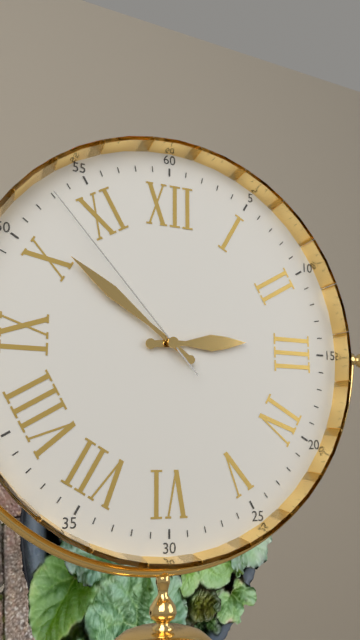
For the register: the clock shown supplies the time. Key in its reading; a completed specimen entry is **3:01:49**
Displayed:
**2:51:53**
